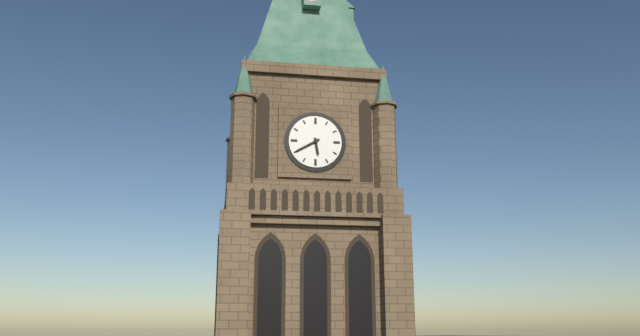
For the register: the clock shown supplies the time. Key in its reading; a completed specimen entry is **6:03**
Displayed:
**5:40**
